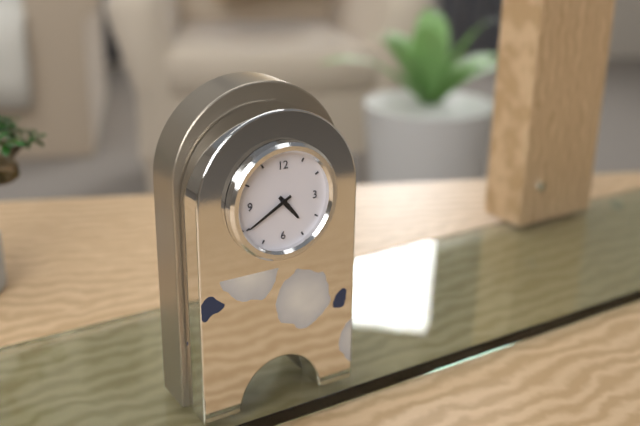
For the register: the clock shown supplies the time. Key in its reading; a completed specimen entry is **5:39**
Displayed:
**4:40**
